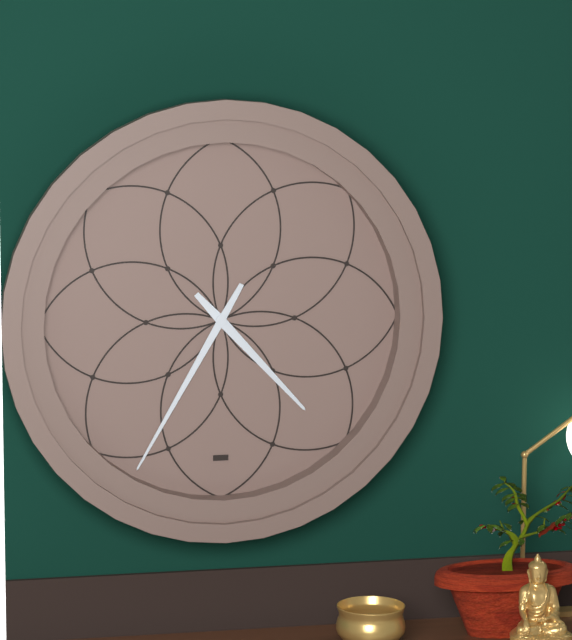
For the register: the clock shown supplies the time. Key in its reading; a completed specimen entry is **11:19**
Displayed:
**4:35**
